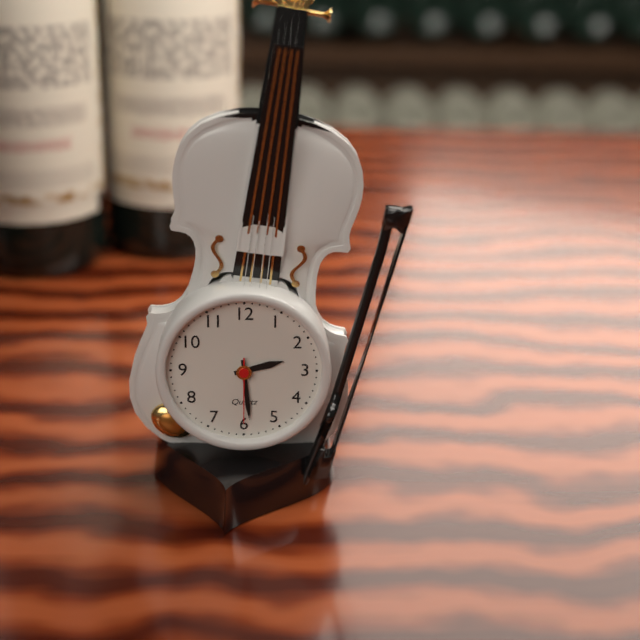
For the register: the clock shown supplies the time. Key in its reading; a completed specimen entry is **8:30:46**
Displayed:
**2:29:30**
